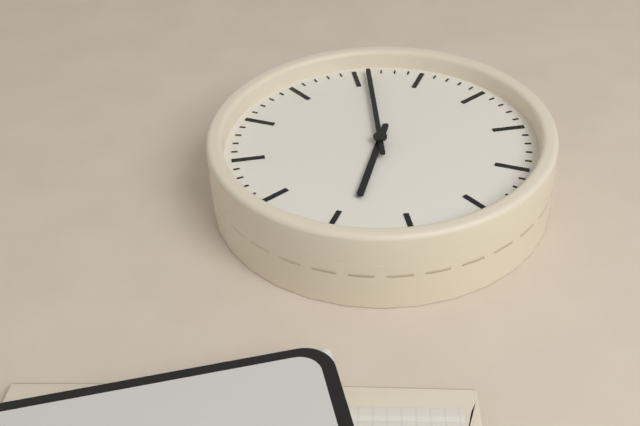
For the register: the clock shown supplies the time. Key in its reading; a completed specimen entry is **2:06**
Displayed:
**3:46**
